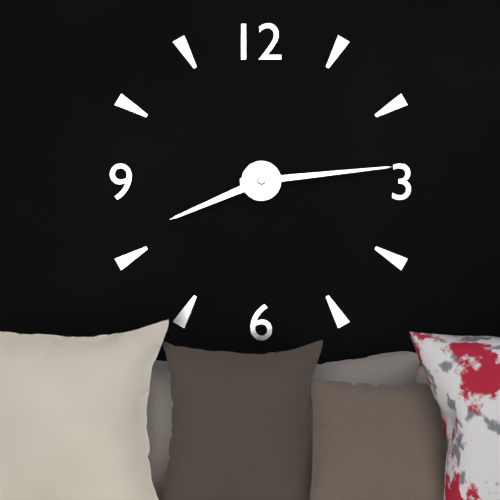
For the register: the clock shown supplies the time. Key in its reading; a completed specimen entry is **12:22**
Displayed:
**8:14**
